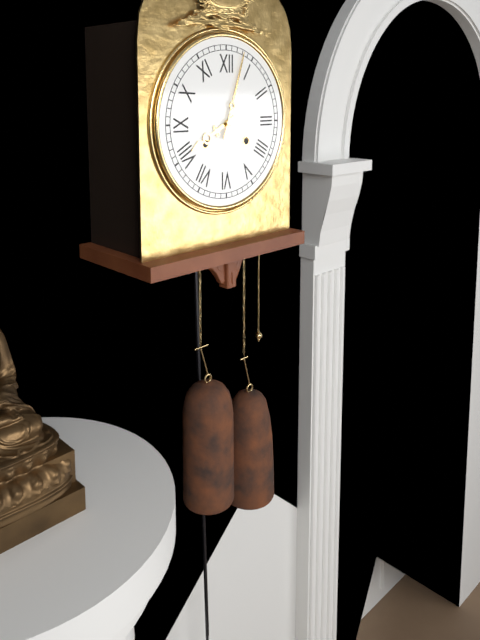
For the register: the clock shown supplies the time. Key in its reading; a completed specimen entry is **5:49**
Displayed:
**8:03**
